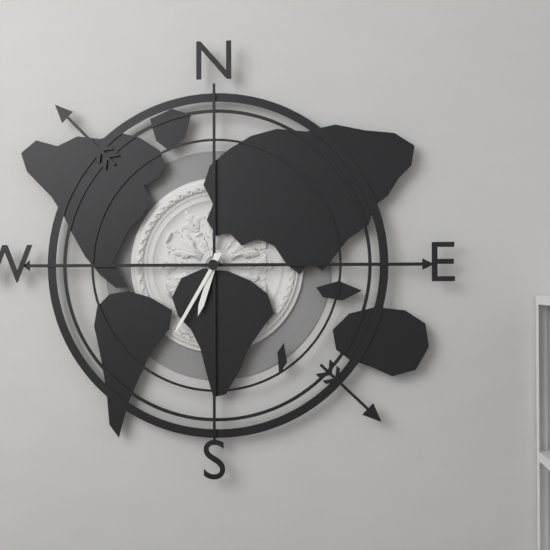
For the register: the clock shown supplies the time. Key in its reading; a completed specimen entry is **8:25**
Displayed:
**6:35**
